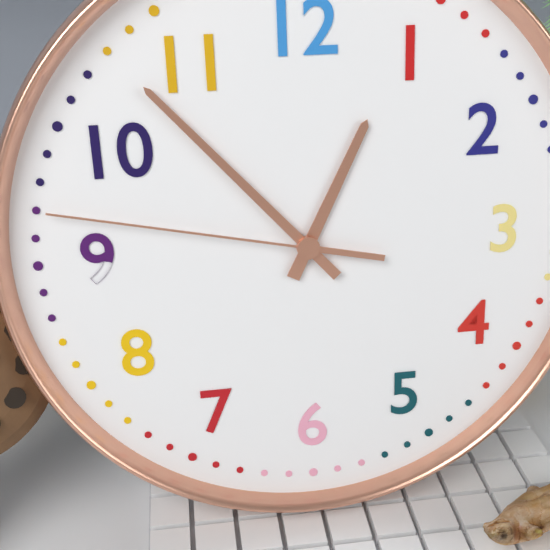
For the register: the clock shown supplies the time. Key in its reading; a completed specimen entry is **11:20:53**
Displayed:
**12:53:47**
